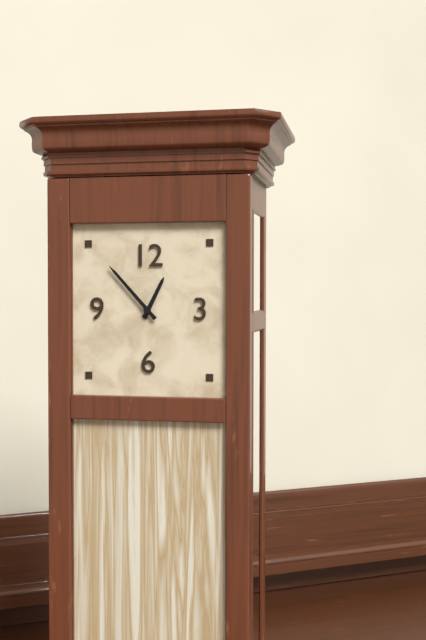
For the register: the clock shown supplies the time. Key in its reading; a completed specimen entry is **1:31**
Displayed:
**12:53**
